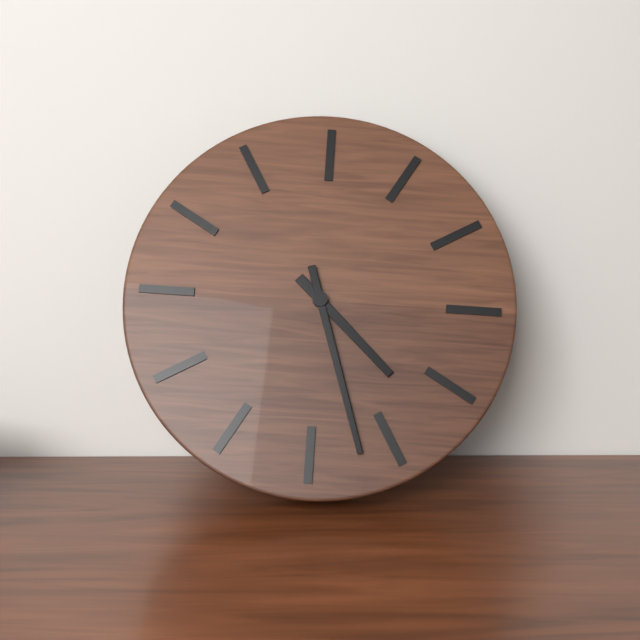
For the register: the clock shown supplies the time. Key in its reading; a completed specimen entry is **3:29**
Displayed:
**4:27**
